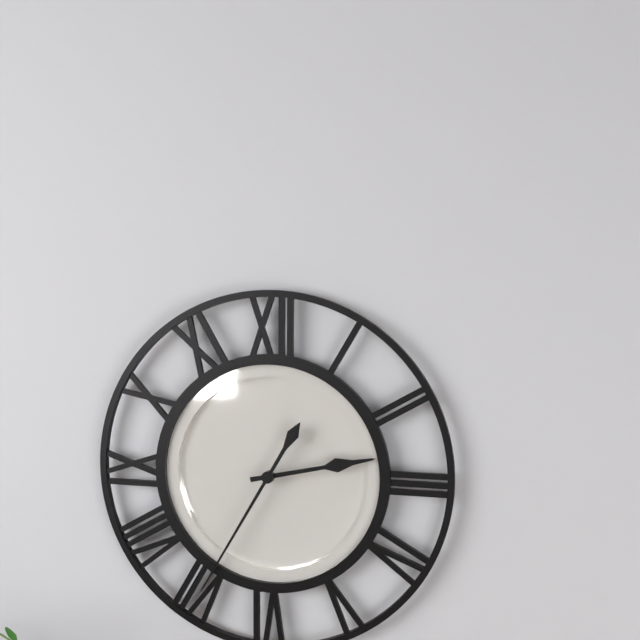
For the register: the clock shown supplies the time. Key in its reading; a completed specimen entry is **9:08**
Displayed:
**2:35**
